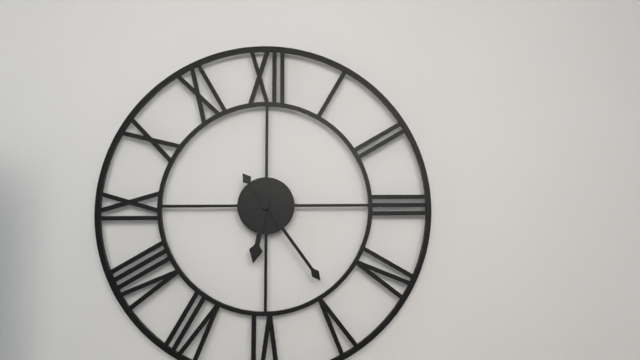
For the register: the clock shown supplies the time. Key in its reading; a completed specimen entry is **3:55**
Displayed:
**6:24**
